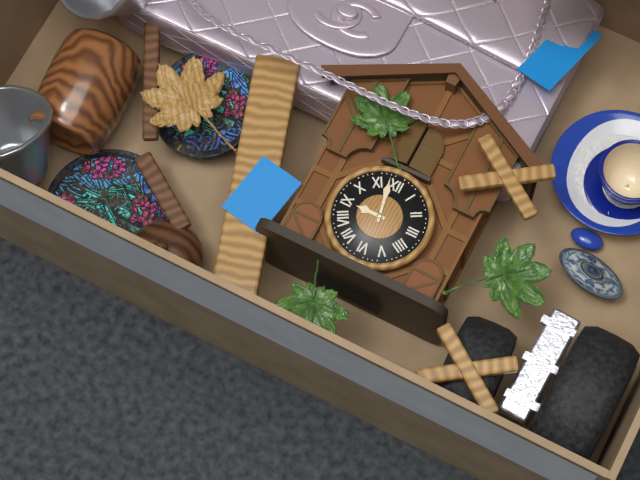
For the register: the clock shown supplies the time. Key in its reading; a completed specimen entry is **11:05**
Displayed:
**8:58**
